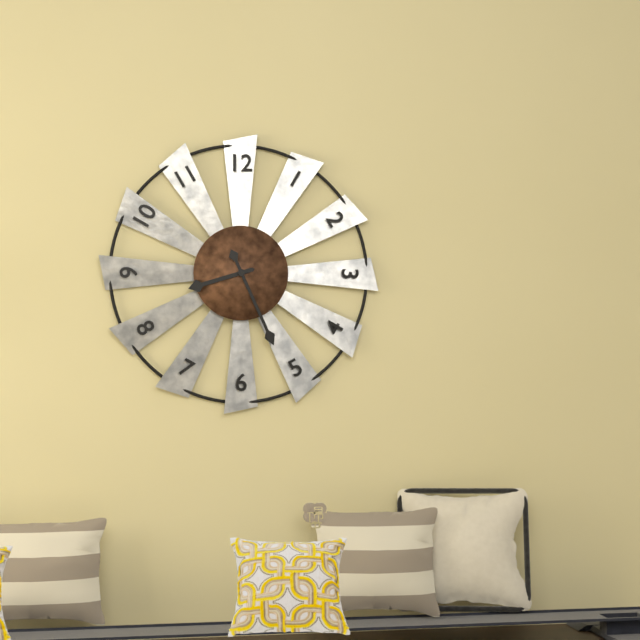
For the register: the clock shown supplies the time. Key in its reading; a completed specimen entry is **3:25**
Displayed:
**8:26**
